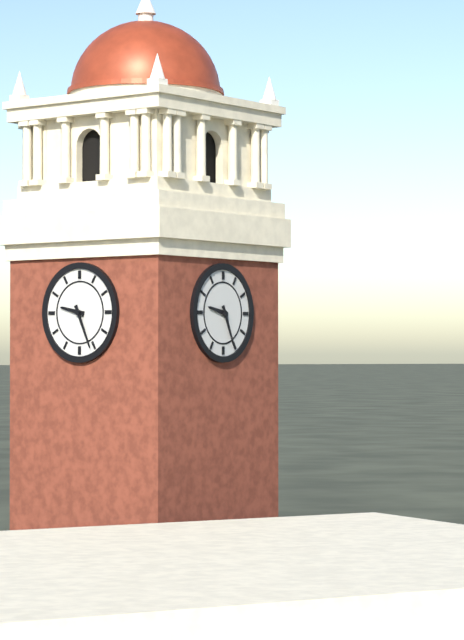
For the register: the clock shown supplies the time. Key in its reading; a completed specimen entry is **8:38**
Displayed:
**9:26**
